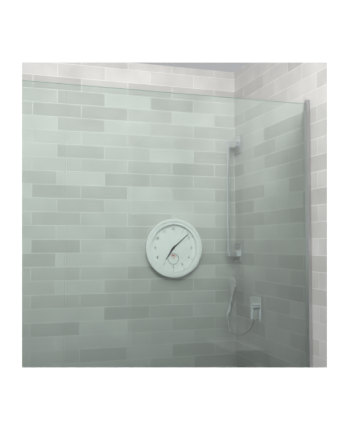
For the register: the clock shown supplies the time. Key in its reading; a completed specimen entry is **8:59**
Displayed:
**7:08**
